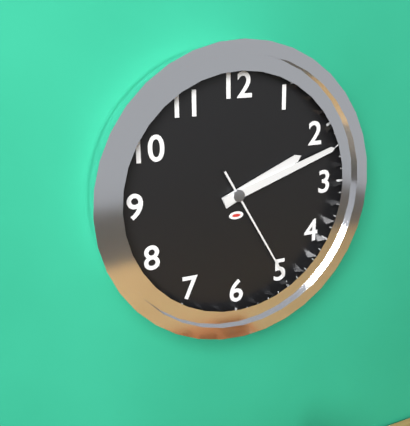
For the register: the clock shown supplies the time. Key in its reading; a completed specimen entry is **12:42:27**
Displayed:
**2:12:25**
